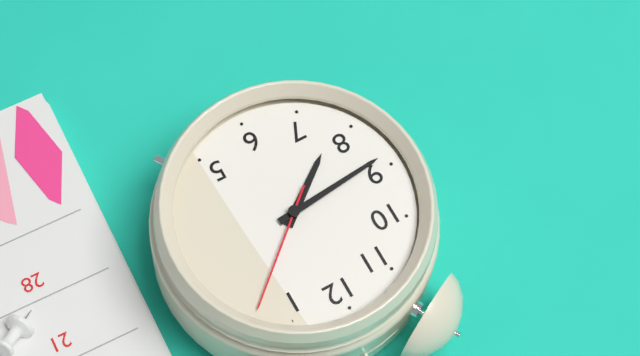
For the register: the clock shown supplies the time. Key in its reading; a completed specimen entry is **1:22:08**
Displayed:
**7:44:08**
